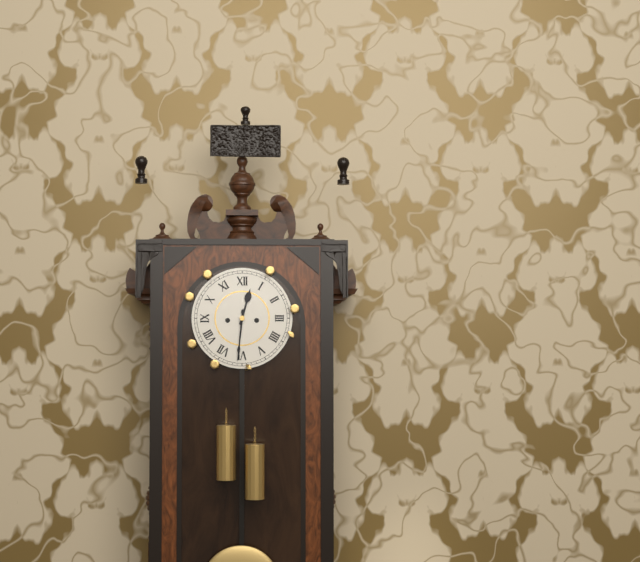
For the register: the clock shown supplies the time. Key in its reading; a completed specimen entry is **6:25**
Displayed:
**12:31**
